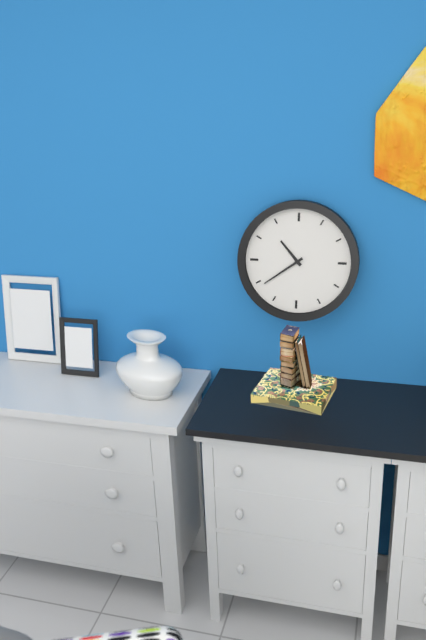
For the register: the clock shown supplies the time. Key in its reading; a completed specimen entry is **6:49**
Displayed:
**10:39**
